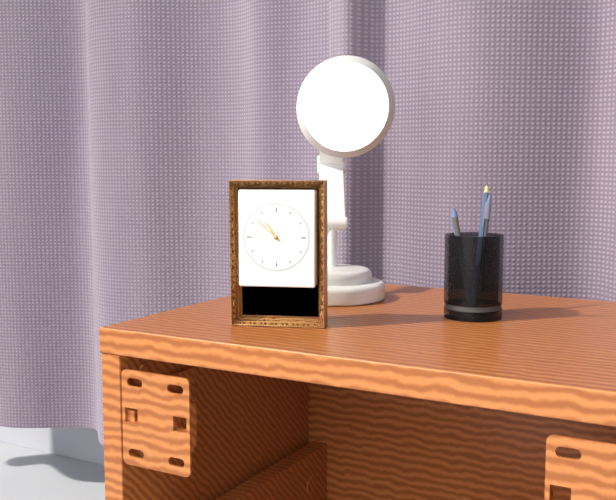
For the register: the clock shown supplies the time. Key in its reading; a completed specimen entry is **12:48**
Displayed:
**10:52**
